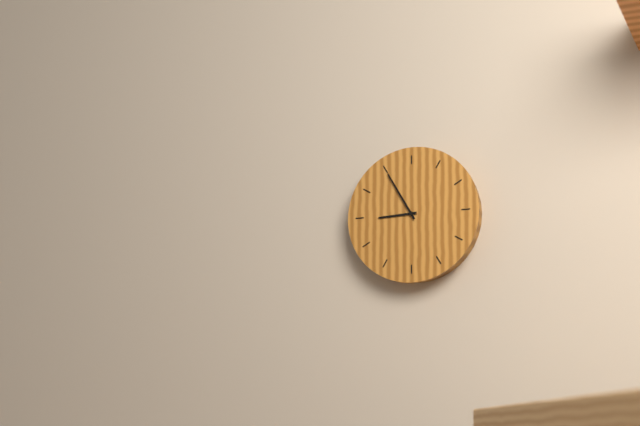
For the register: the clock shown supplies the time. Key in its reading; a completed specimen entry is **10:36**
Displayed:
**8:55**
